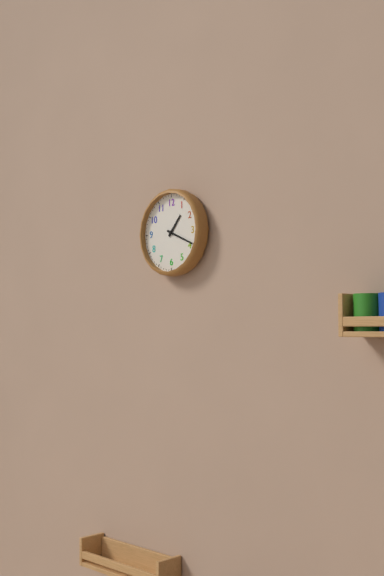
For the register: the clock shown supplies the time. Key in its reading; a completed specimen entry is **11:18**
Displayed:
**1:19**
